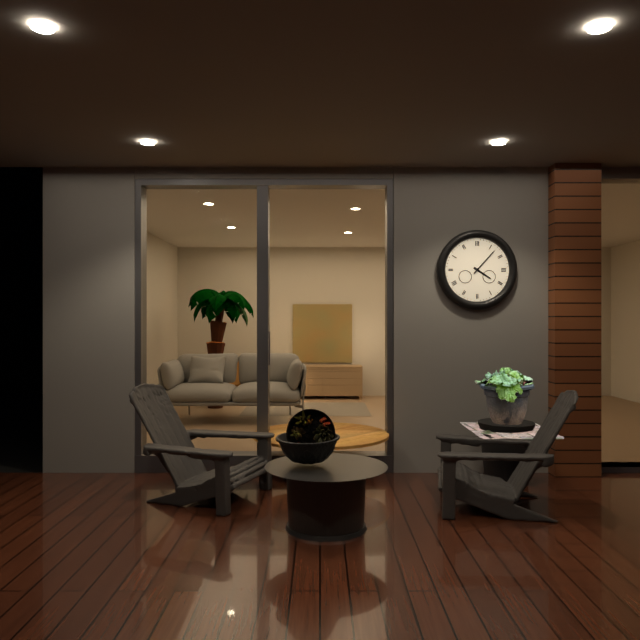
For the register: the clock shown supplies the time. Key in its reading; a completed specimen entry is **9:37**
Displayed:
**4:07**
